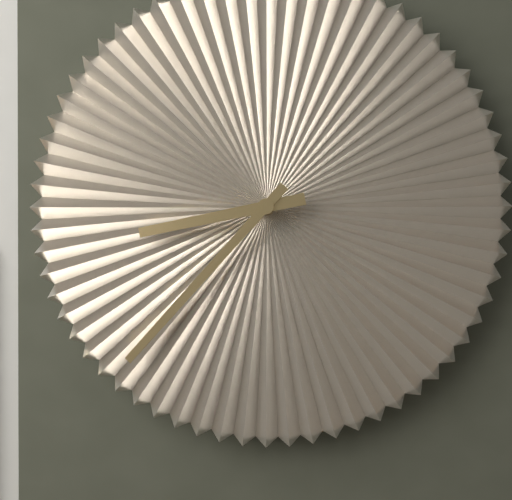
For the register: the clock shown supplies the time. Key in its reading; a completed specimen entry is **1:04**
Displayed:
**8:37**
